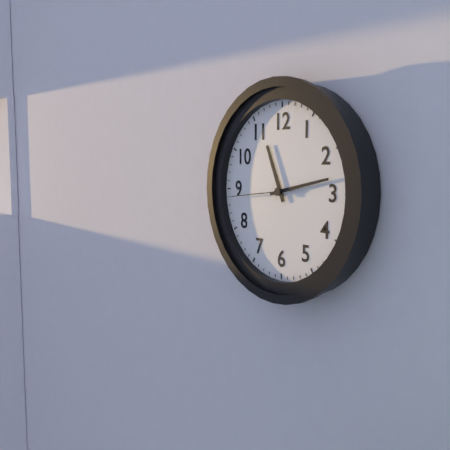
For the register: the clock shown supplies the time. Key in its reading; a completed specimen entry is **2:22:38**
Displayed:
**11:13:44**
